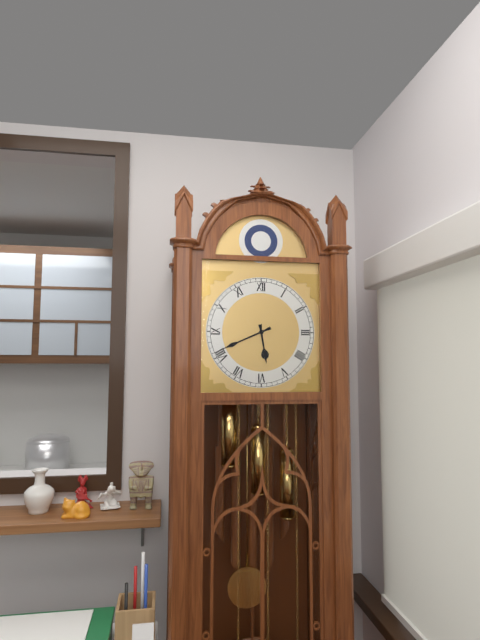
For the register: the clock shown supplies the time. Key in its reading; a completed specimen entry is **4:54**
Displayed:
**5:41**
